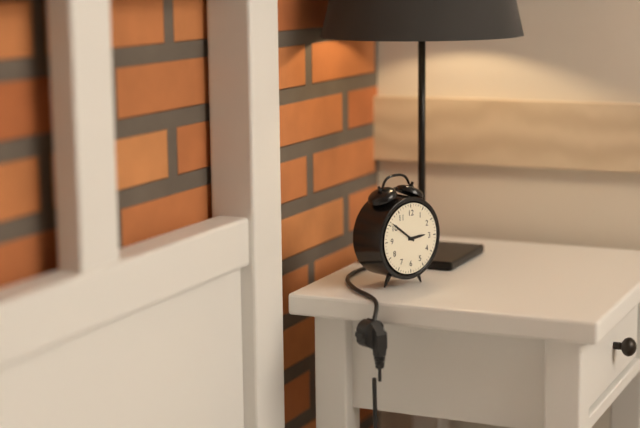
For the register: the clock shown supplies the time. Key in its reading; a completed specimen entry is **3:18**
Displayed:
**2:51**
